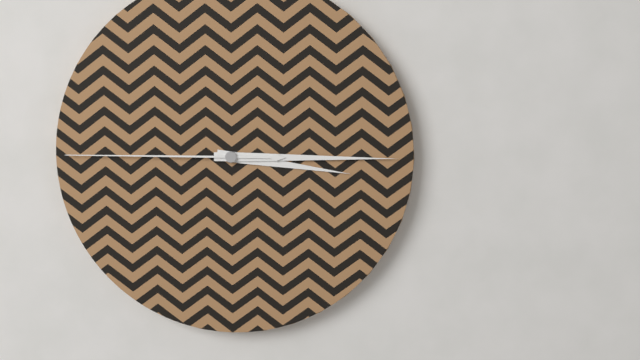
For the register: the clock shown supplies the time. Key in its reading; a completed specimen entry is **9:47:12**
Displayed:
**3:15:45**
